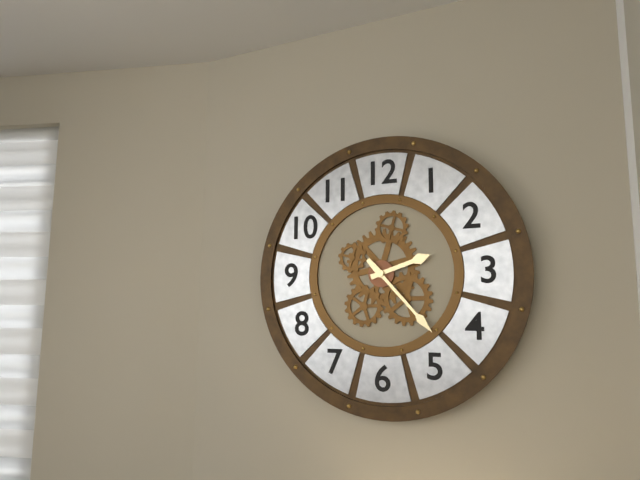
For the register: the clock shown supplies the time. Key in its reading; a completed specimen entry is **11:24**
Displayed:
**2:23**
